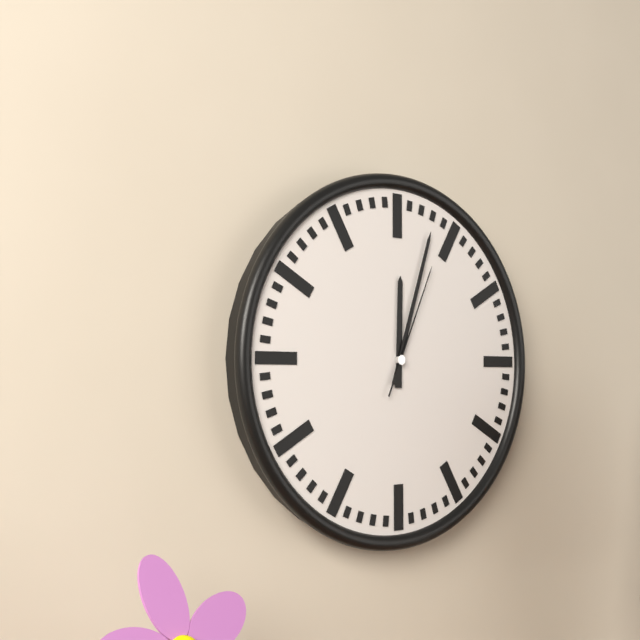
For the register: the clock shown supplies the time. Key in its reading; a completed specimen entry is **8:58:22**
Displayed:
**12:03:04**
